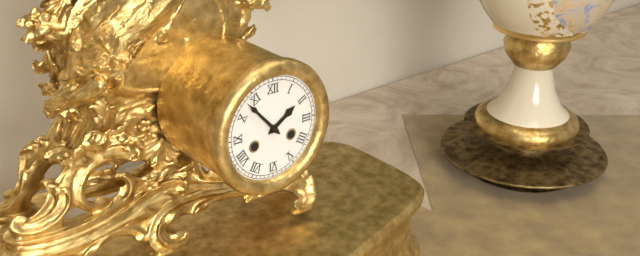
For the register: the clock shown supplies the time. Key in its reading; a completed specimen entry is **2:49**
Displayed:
**1:53**
